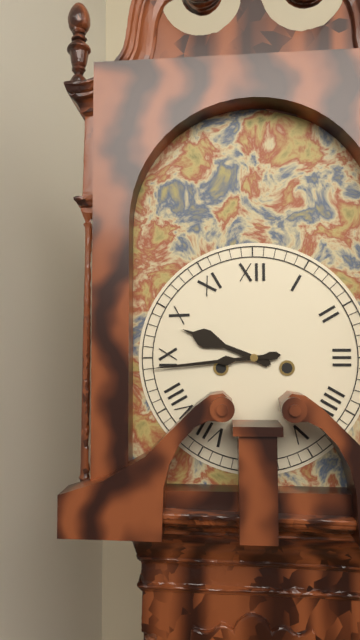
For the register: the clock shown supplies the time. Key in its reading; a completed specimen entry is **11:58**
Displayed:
**9:44**
